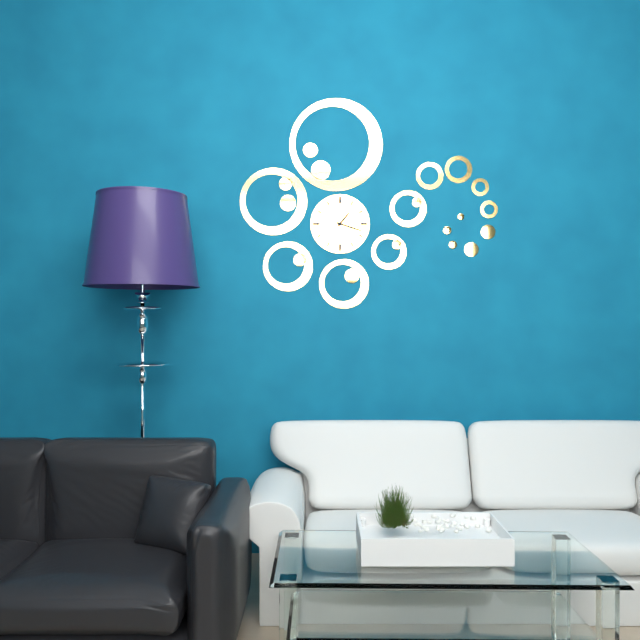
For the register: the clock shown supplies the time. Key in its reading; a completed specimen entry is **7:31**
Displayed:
**1:18**
